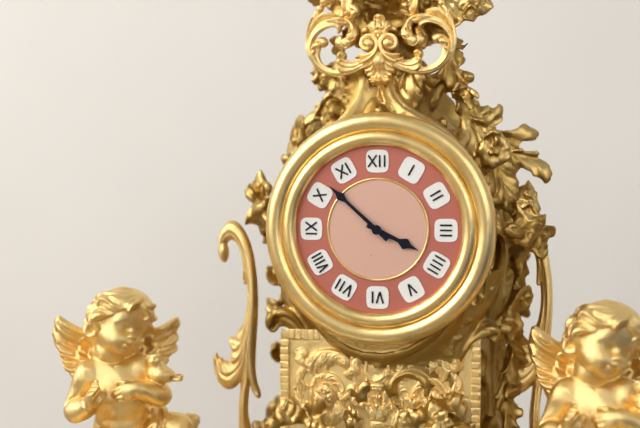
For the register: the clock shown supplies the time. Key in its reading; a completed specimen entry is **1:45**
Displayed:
**3:52**
